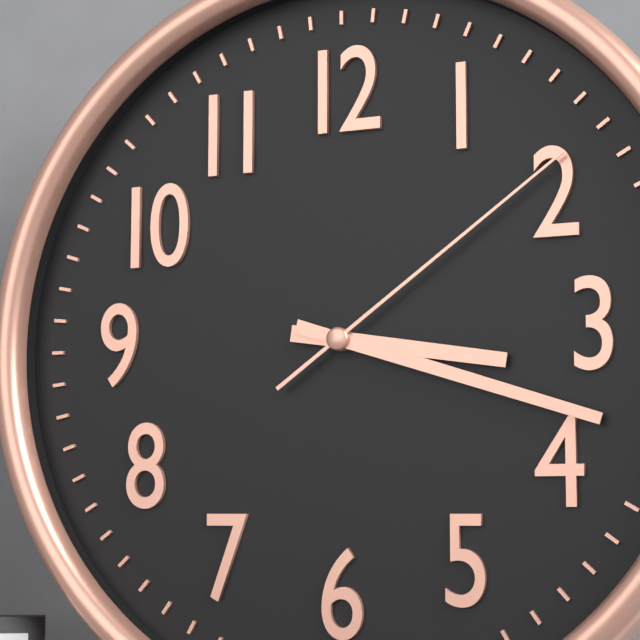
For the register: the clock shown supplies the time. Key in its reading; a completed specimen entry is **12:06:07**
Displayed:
**3:18:09**
